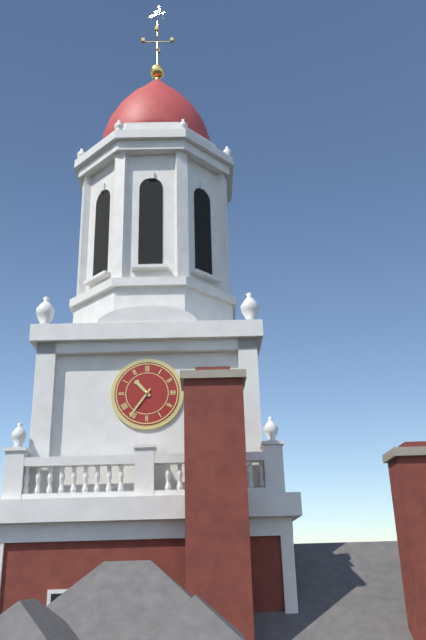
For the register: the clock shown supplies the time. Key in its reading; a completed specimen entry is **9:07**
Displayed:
**10:36**
